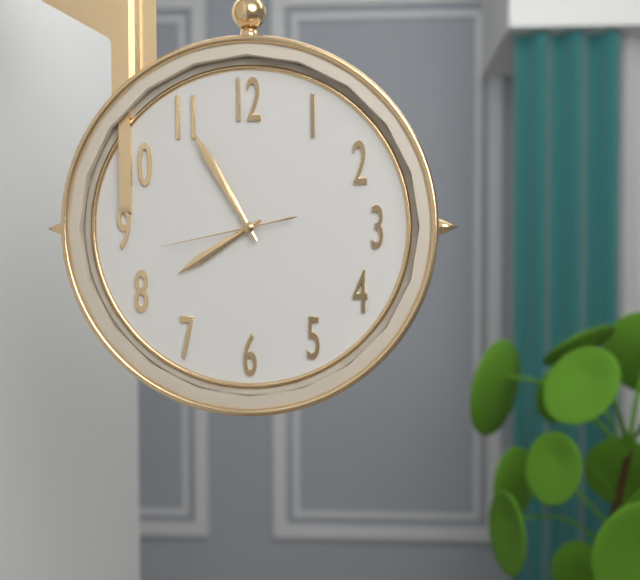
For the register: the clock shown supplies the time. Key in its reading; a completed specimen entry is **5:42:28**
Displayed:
**7:55:43**
